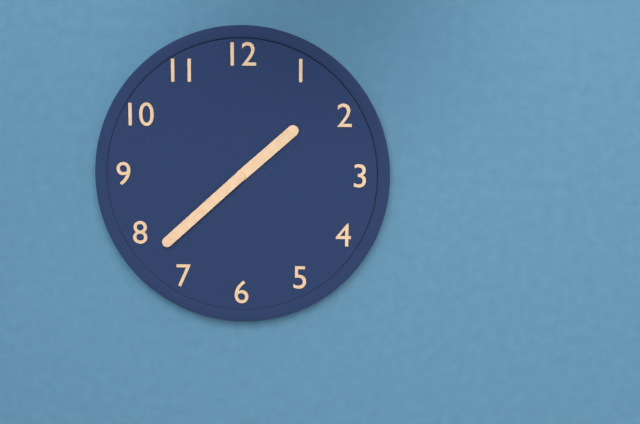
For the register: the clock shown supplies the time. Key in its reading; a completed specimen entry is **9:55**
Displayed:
**1:38**
